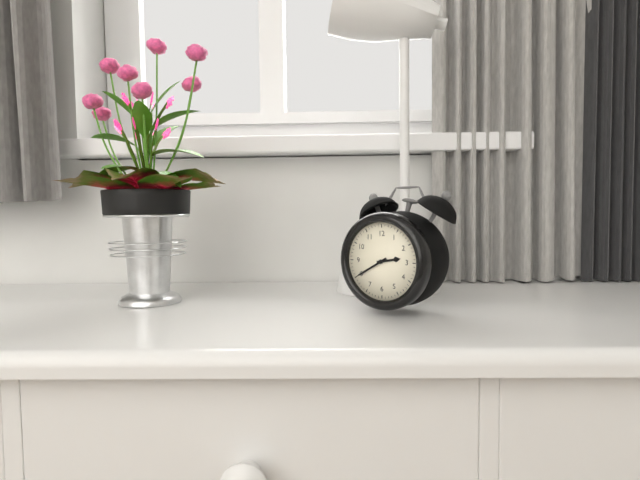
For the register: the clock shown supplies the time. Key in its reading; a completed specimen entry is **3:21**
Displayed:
**2:40**
